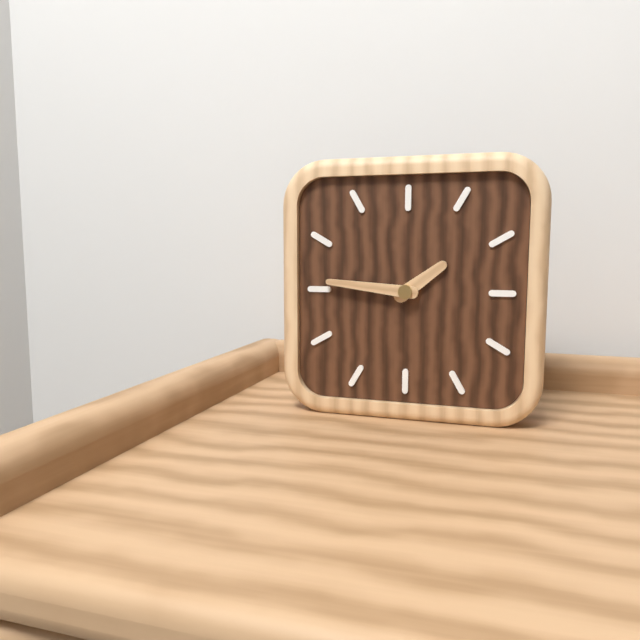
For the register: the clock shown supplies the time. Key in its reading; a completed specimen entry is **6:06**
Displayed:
**1:46**
